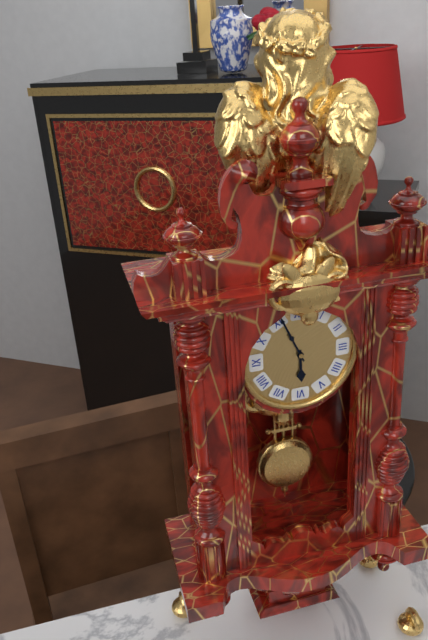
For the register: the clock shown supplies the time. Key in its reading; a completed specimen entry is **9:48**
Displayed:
**5:56**
